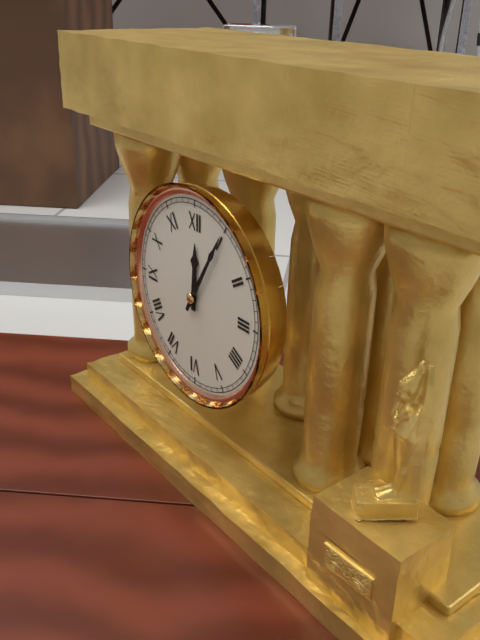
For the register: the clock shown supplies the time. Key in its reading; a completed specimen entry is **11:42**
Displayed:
**12:05**
